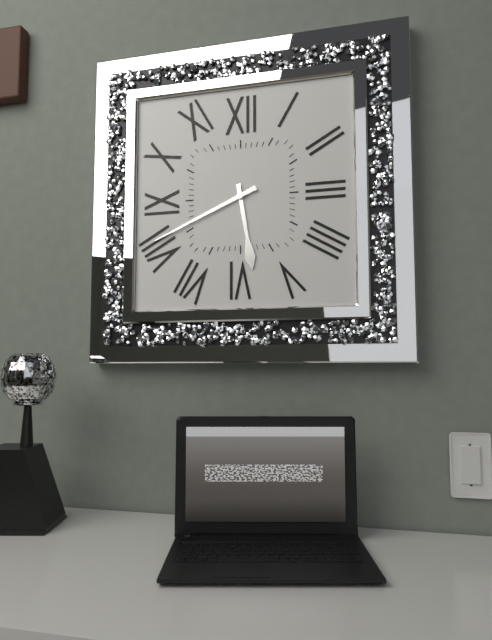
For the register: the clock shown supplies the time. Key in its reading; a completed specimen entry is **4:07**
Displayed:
**5:41**
